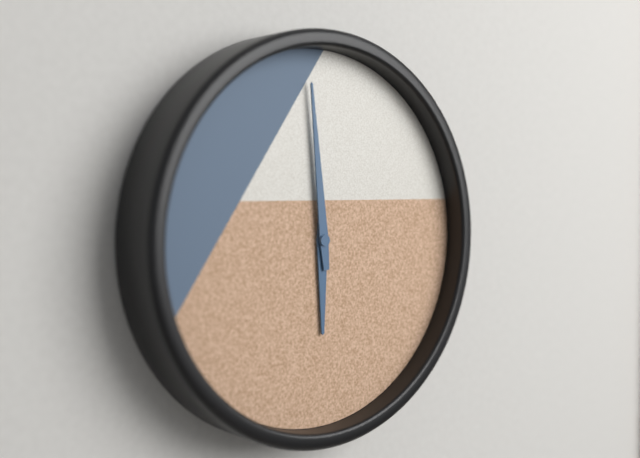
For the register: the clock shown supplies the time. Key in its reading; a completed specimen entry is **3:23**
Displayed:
**5:59**
